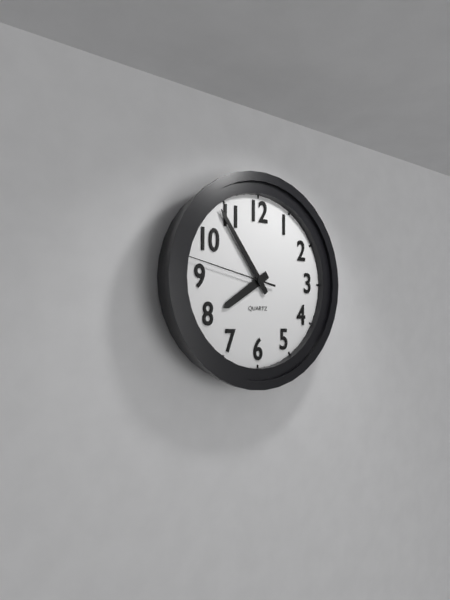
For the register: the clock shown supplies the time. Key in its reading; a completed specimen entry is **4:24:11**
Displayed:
**7:54:47**
